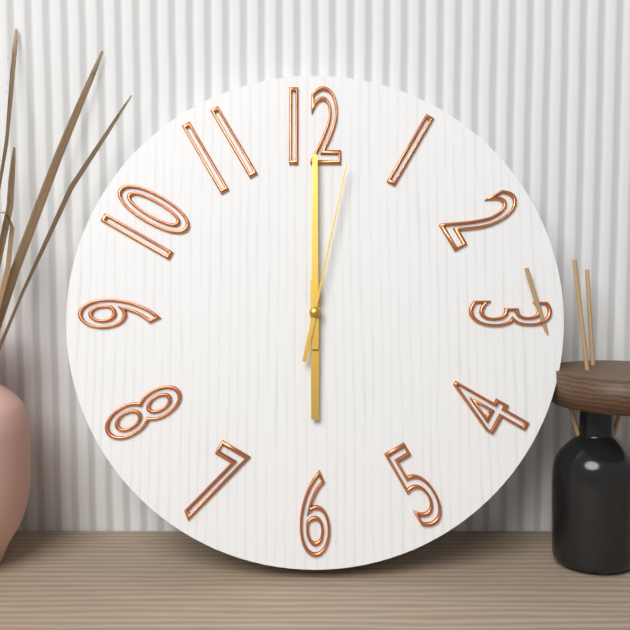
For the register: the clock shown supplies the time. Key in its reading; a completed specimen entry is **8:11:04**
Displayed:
**6:00:02**
